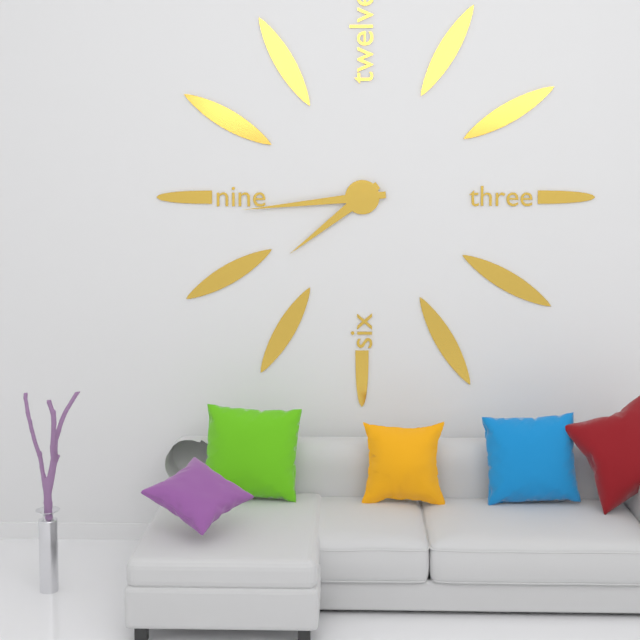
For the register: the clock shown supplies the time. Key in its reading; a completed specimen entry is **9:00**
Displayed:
**7:44**
